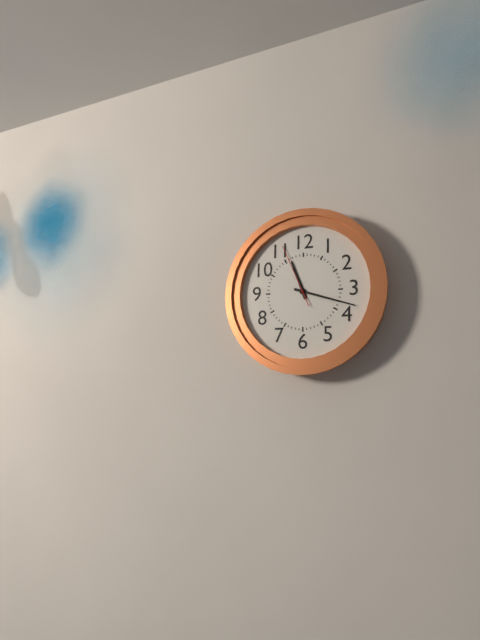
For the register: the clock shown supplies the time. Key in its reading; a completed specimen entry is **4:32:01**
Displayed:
**11:18:56**
